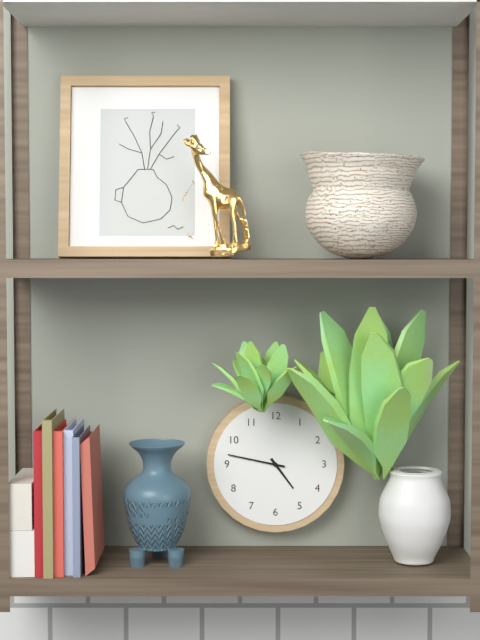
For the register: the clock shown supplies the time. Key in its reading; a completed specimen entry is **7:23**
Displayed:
**4:47**
